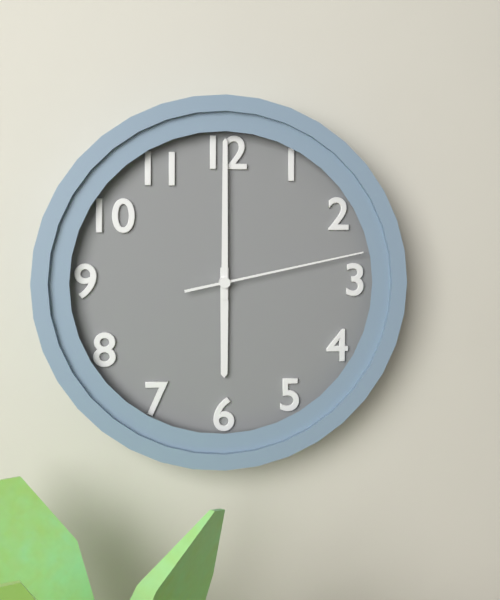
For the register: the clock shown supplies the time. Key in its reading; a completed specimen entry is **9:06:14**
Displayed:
**6:00:13**
